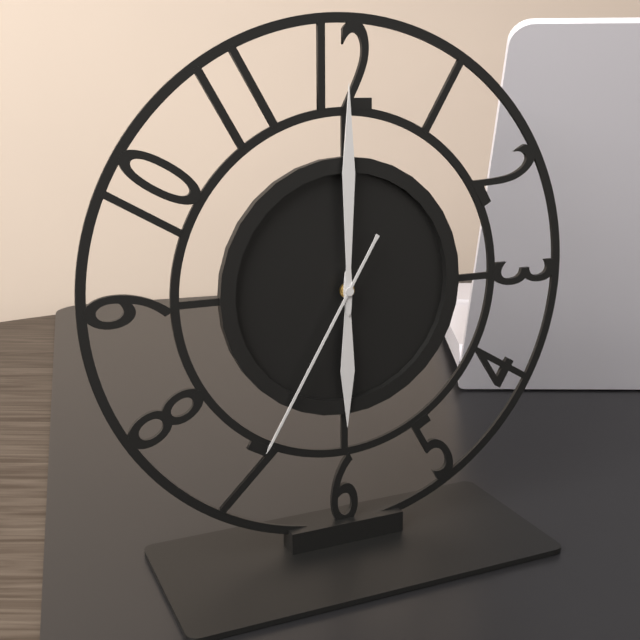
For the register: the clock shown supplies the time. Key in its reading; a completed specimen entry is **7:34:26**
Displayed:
**6:00:35**
